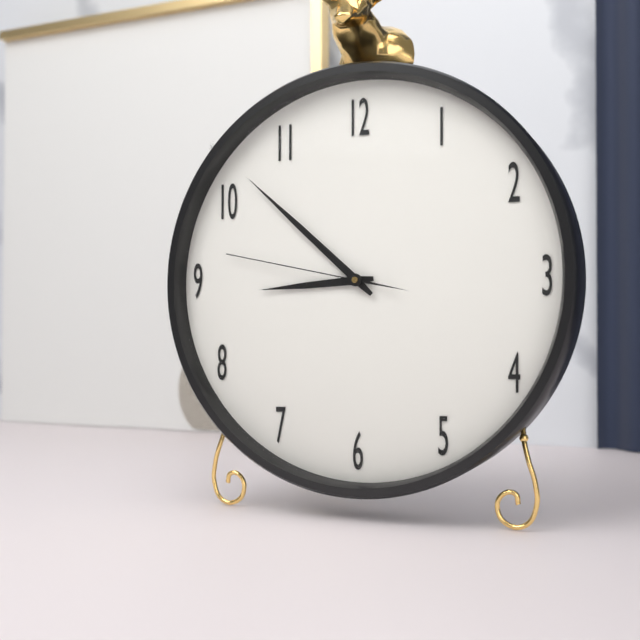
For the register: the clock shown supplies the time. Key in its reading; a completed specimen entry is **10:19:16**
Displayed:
**8:52:47**
